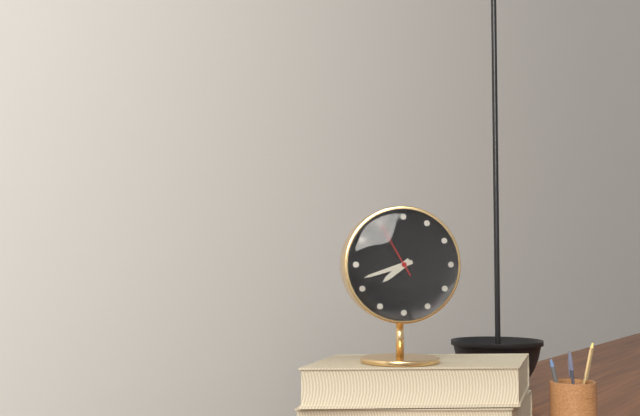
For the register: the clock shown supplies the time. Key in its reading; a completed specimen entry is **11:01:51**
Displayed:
**7:42:55**
